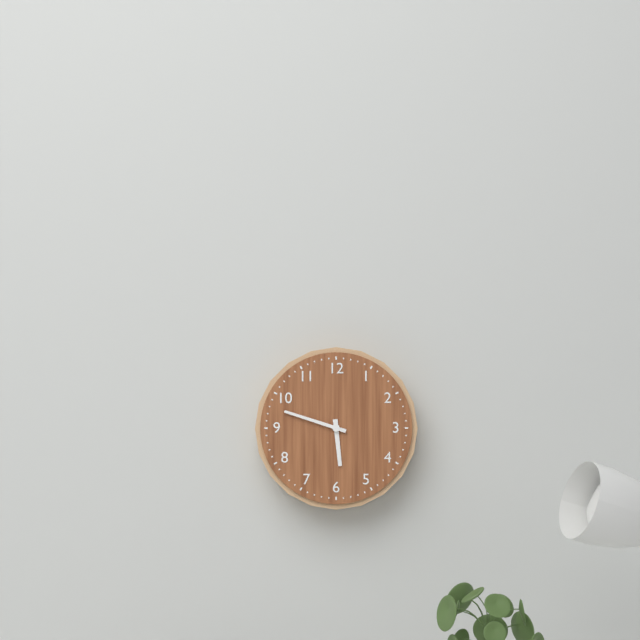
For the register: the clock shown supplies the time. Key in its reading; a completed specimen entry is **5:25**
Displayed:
**5:48**
